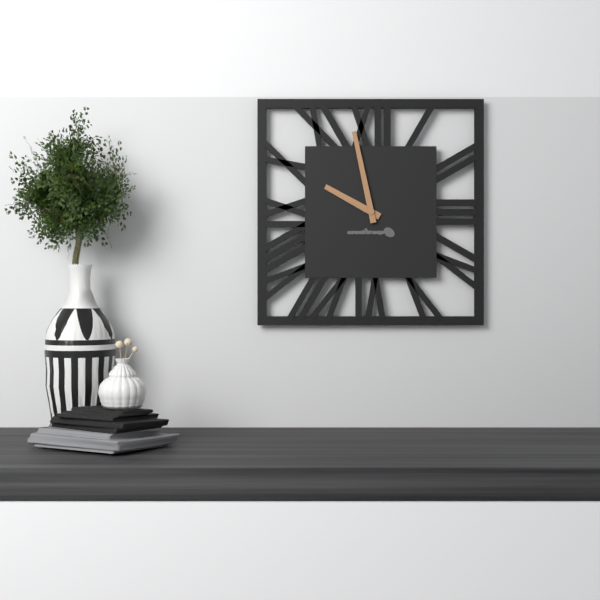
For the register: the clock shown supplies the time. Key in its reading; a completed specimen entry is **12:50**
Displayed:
**9:58**
